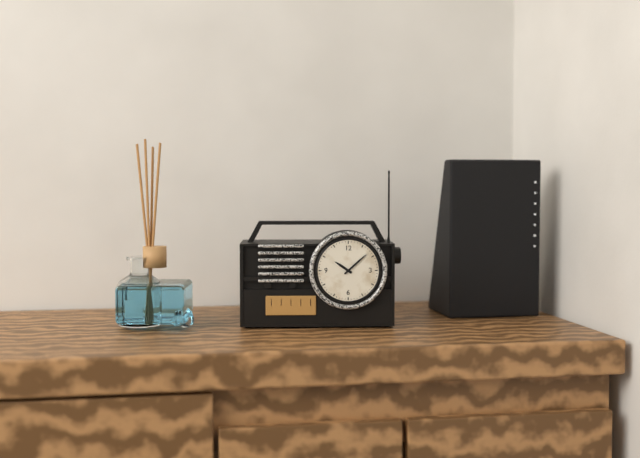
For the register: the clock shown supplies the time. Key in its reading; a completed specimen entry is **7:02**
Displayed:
**10:08**
